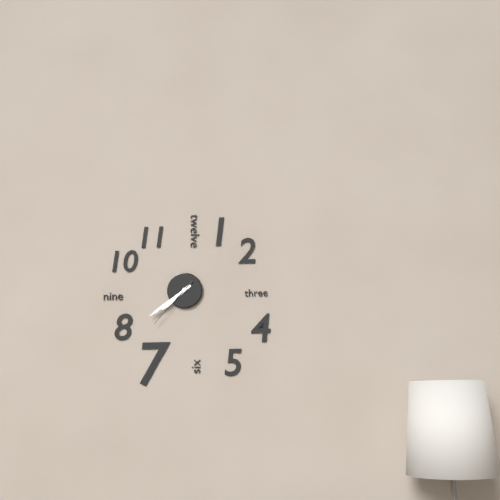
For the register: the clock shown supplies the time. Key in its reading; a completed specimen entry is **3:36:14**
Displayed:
**7:39:37**
